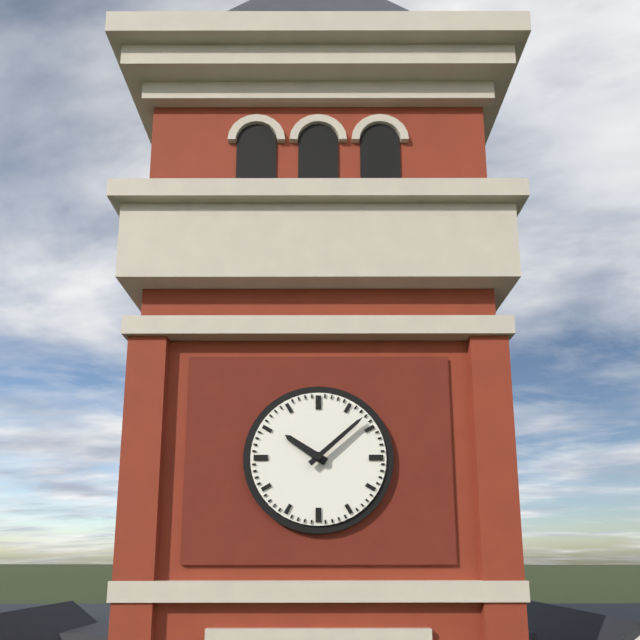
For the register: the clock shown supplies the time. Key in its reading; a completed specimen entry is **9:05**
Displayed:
**10:08**
